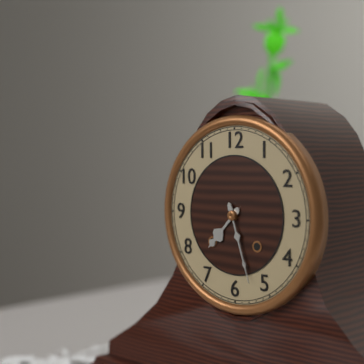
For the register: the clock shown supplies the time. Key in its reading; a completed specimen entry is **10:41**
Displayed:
**7:27**
